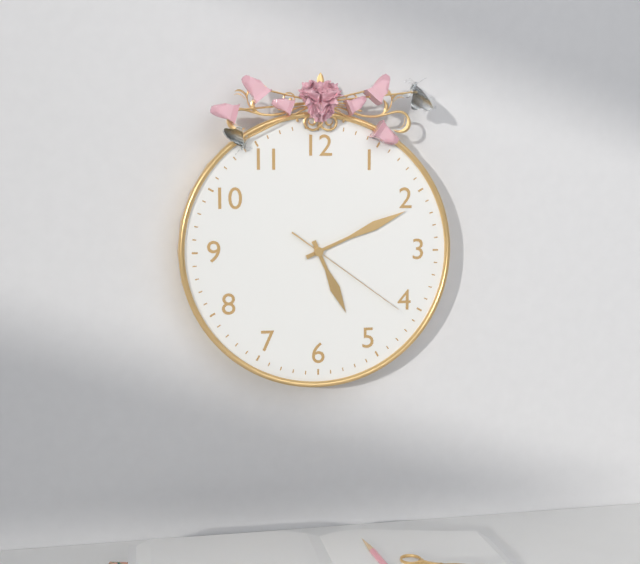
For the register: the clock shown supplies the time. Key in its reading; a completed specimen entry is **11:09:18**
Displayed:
**5:11:21**
